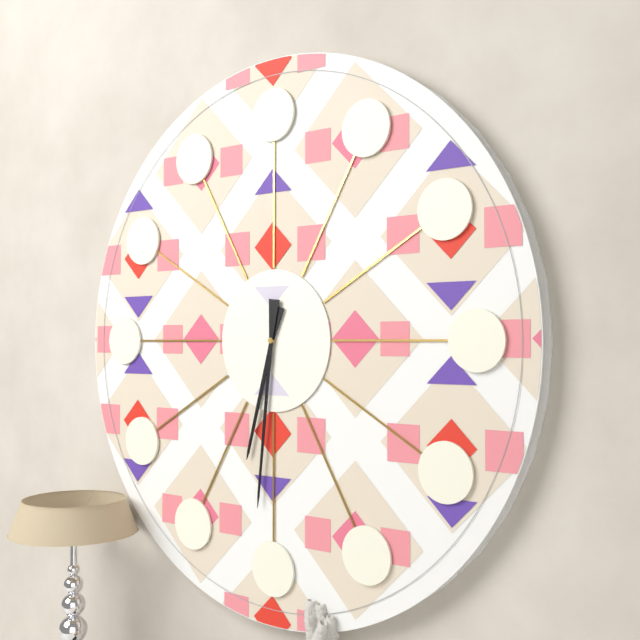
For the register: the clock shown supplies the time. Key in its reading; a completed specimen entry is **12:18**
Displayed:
**6:31**
